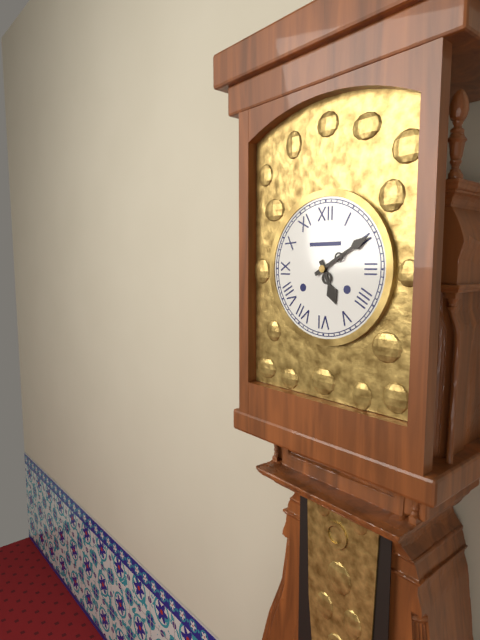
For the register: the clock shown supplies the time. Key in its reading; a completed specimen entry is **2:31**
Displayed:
**5:10**
